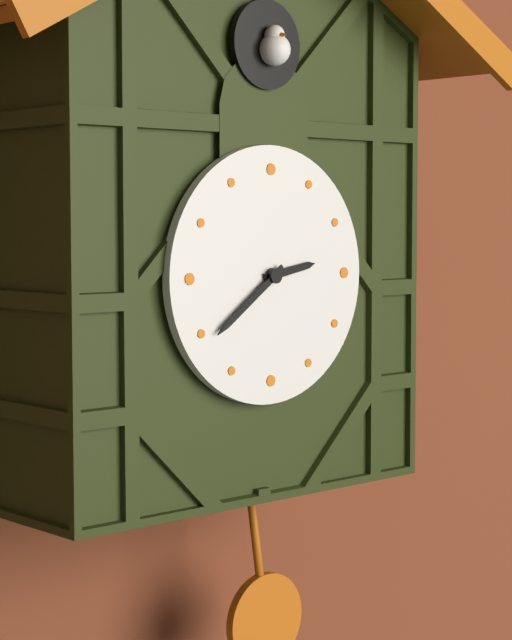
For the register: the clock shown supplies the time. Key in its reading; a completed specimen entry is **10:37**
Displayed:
**2:39**
